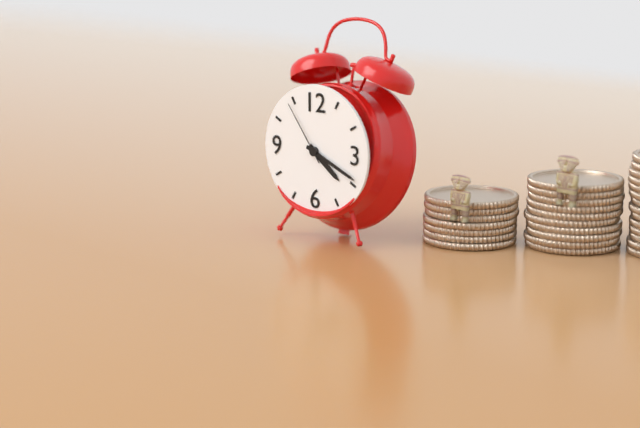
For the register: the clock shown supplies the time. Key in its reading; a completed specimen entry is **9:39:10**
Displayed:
**4:19:54**
